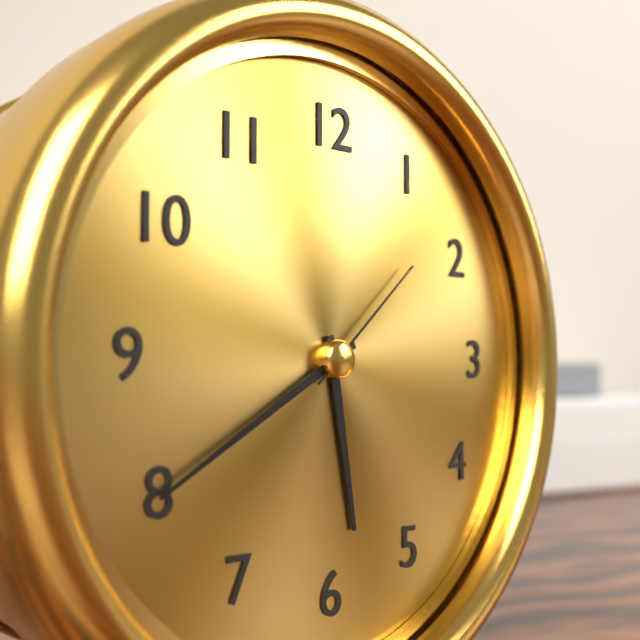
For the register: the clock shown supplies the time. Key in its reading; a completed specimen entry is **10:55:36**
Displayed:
**5:40:08**
